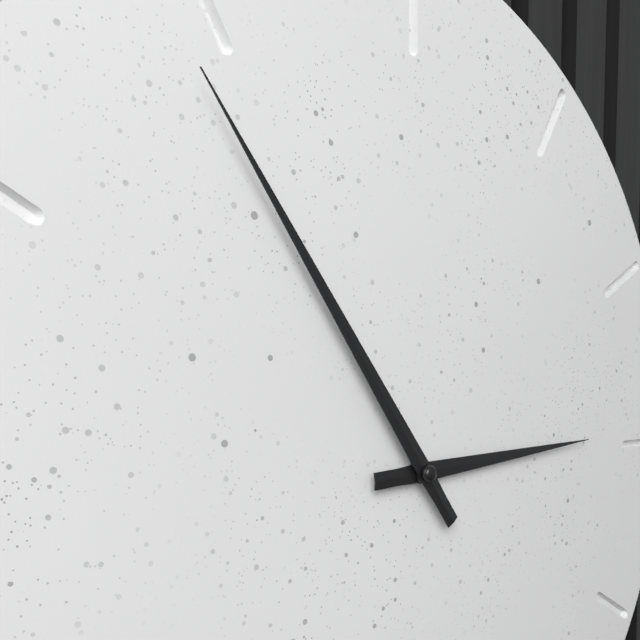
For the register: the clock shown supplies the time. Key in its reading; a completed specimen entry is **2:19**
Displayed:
**2:54**
